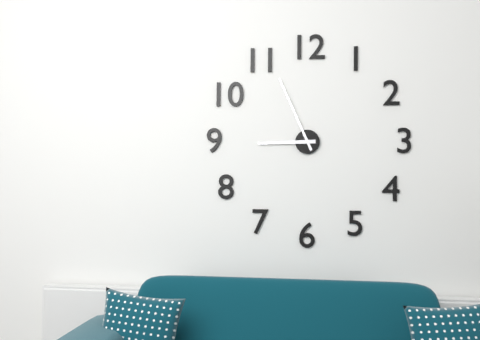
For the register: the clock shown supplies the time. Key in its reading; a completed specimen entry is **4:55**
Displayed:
**8:56**
